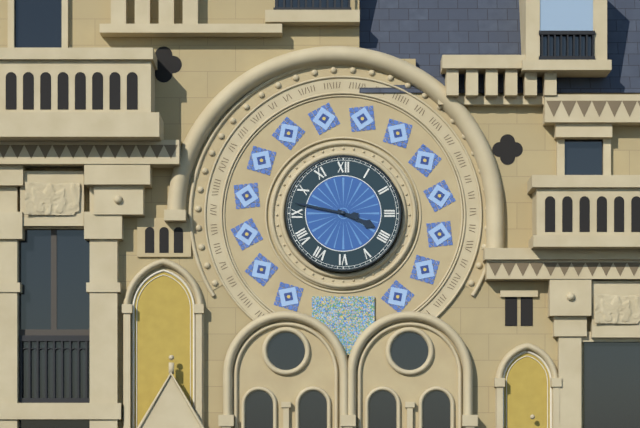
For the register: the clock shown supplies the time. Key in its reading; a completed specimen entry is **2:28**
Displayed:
**3:47**
